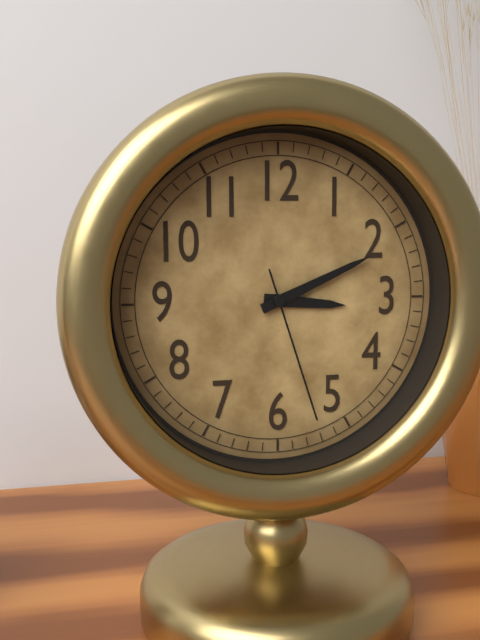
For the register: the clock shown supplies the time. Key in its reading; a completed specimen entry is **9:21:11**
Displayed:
**3:11:27**
